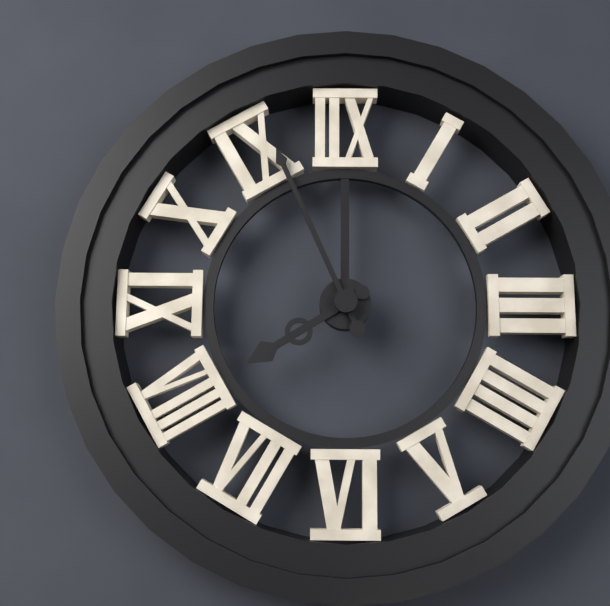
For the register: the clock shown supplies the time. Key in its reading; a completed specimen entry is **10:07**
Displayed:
**7:56**
